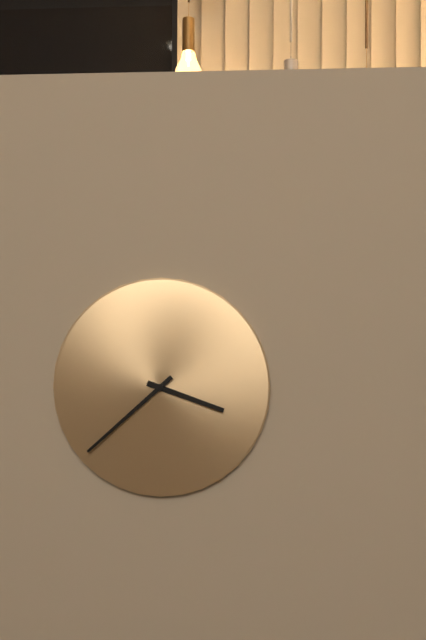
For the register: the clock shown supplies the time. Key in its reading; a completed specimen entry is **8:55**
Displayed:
**3:38**
